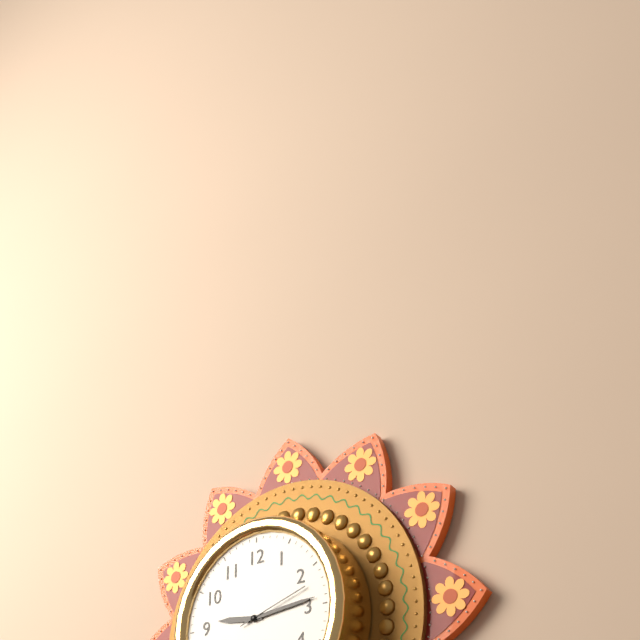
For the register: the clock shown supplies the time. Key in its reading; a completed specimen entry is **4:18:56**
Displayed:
**9:14:12**
